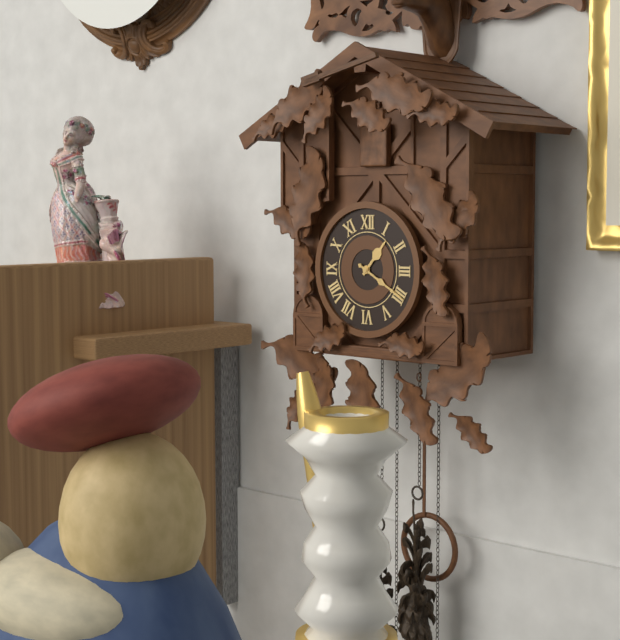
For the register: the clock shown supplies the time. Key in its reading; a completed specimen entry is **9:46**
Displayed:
**1:20**
